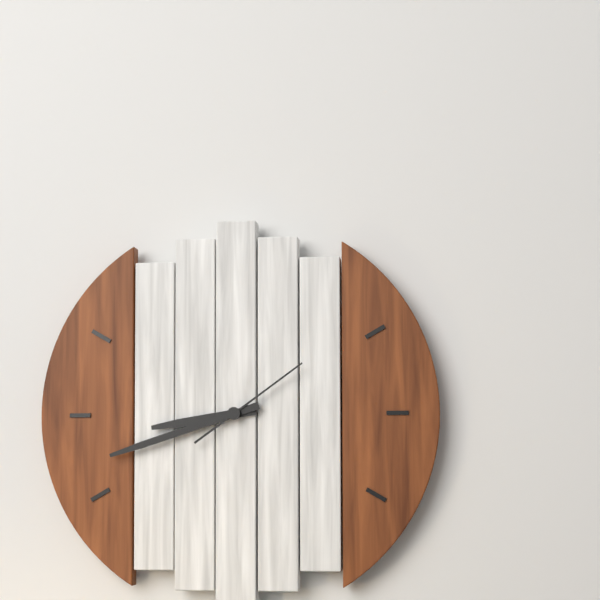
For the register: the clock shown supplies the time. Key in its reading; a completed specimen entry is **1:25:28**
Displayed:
**8:42:09**
